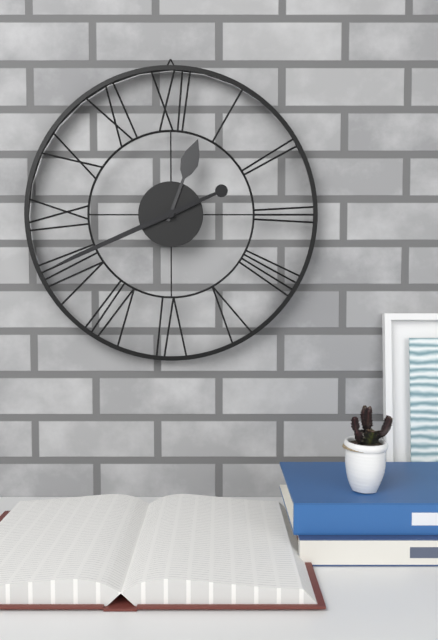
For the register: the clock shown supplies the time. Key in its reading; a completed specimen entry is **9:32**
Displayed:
**12:41**
